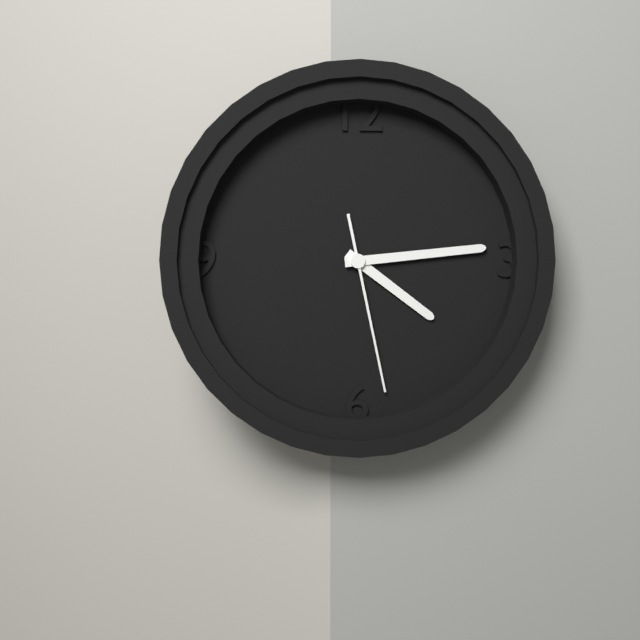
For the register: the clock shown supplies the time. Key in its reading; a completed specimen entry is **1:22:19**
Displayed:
**4:14:28**
